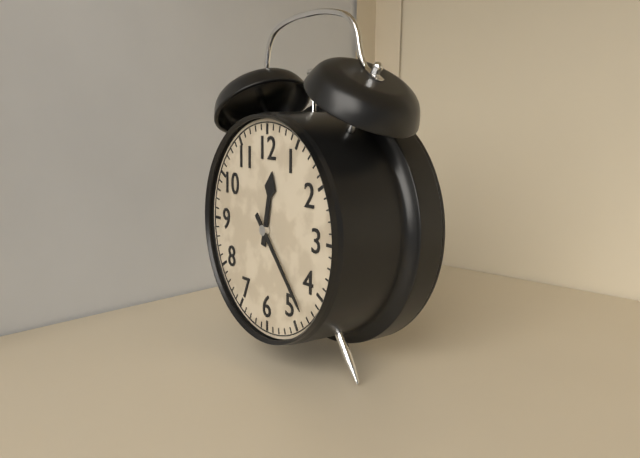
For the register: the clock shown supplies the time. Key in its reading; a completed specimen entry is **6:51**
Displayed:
**12:23**
